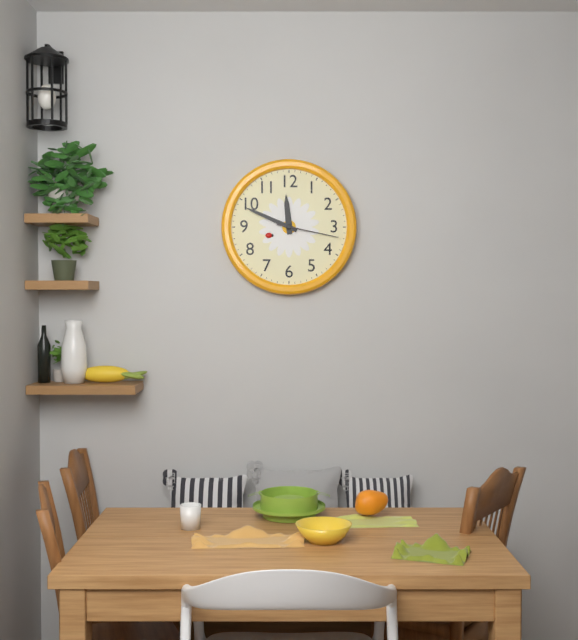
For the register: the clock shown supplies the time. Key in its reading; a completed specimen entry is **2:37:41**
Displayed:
**11:49:17**
